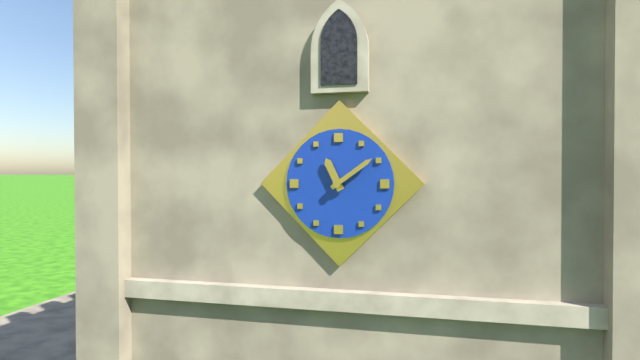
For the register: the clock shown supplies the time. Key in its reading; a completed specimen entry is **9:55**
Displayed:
**11:09**
